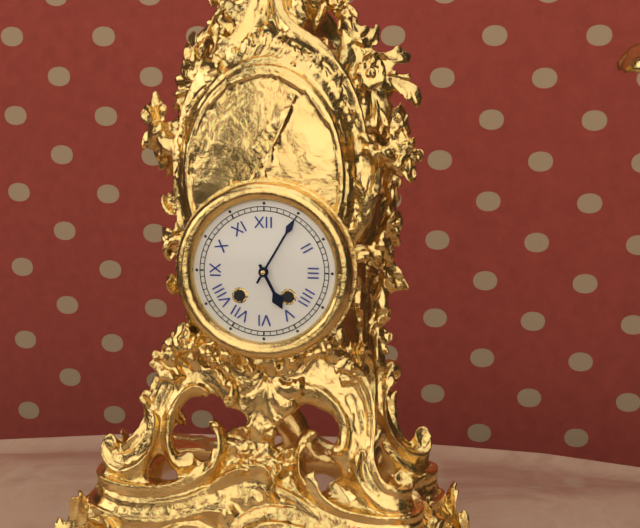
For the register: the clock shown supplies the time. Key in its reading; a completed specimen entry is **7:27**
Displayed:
**5:05**
